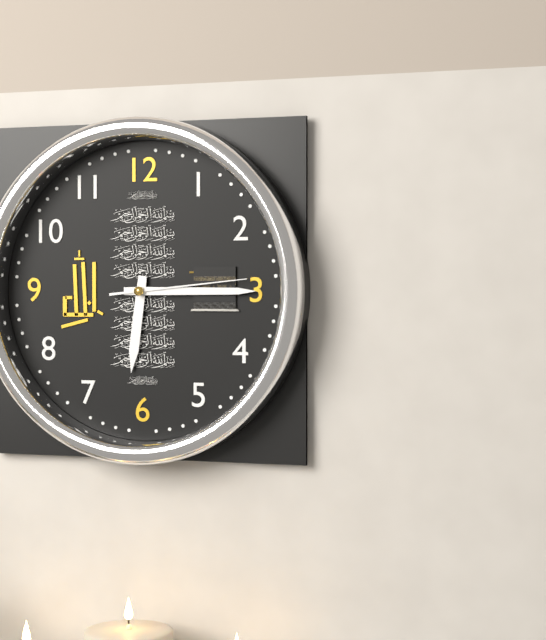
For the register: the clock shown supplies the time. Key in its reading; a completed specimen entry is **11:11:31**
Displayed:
**6:15:14**
